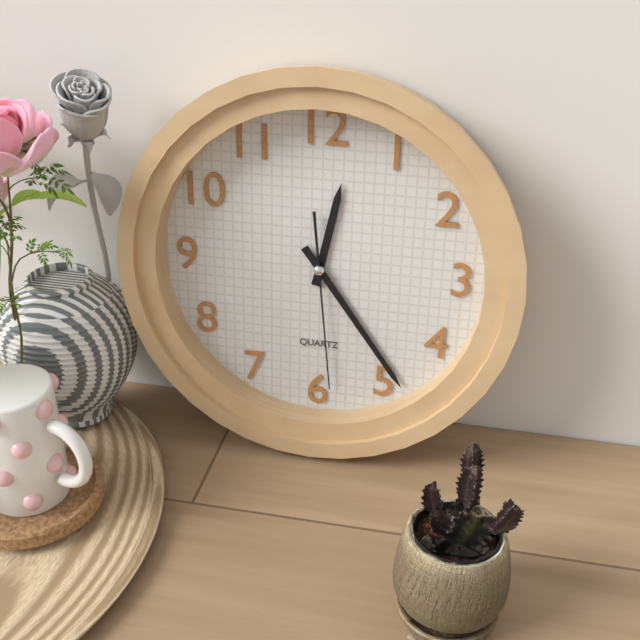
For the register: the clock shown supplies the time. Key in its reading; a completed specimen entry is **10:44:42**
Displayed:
**12:24:29**
